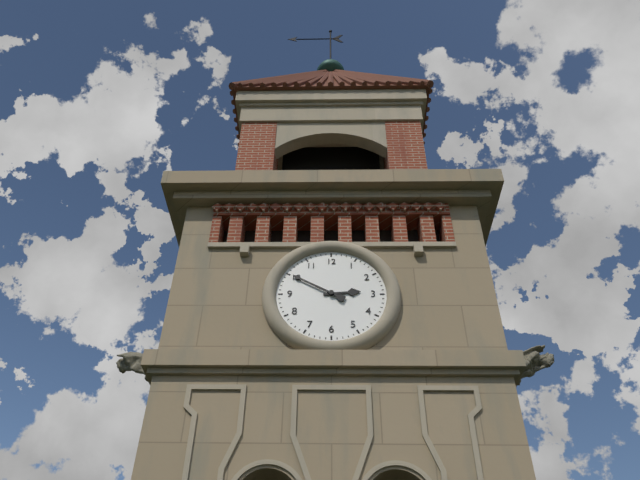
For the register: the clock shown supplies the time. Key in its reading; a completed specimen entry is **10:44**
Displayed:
**2:50**
